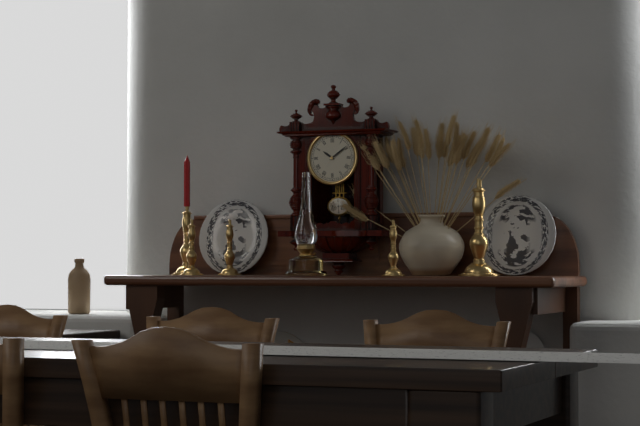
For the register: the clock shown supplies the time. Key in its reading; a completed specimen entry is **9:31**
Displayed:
**10:09**
